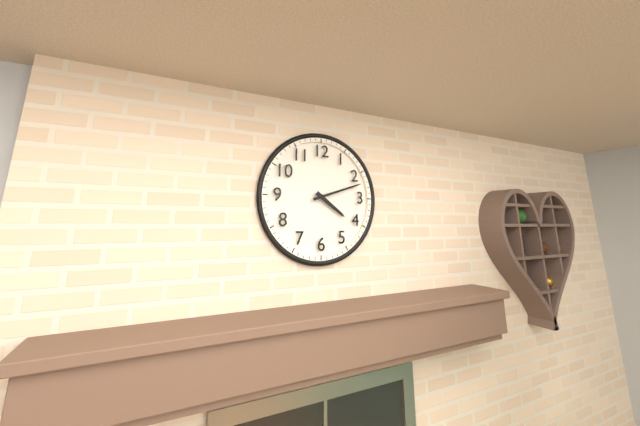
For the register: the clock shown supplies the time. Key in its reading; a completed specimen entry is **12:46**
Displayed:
**4:12**
